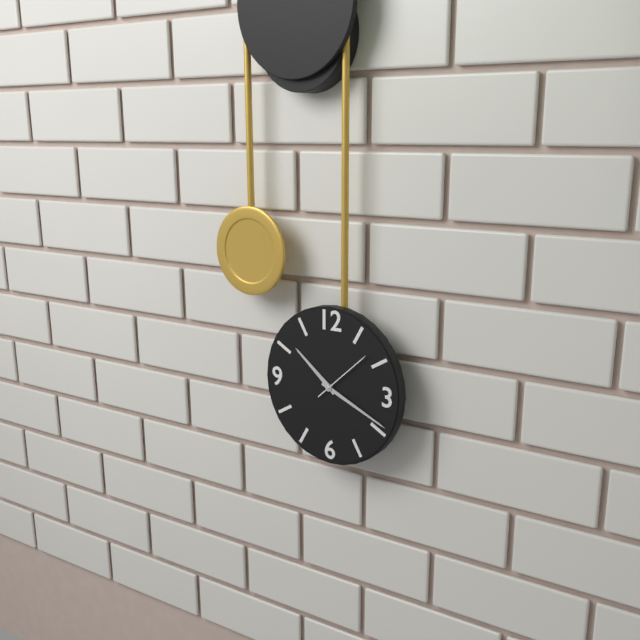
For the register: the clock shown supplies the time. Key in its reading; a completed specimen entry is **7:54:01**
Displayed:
**10:19:08**
